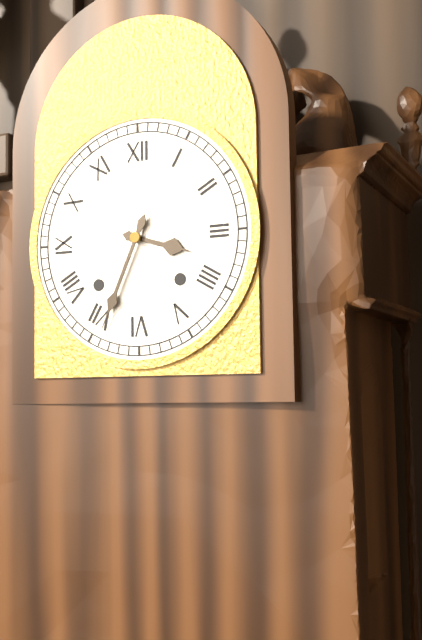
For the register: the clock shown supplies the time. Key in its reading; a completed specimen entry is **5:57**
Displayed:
**3:34**
